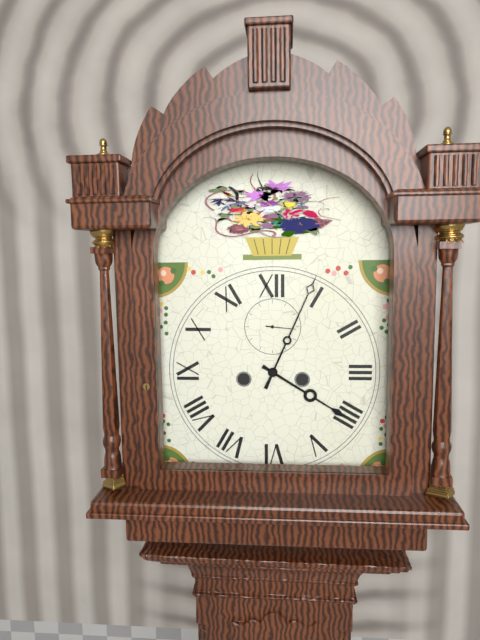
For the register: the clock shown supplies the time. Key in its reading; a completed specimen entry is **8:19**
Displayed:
**4:04**
